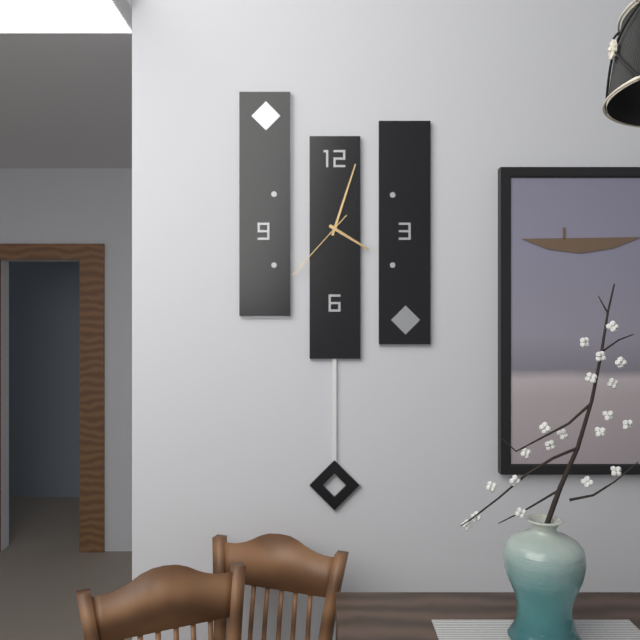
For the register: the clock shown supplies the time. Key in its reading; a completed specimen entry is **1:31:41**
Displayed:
**4:03:37**
